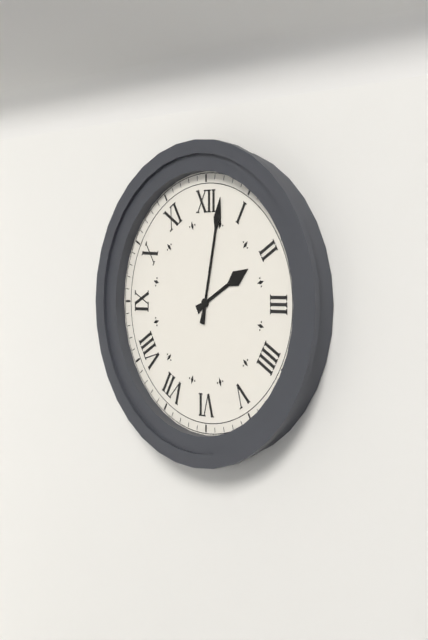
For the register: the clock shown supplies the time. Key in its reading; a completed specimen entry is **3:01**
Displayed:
**2:02**
